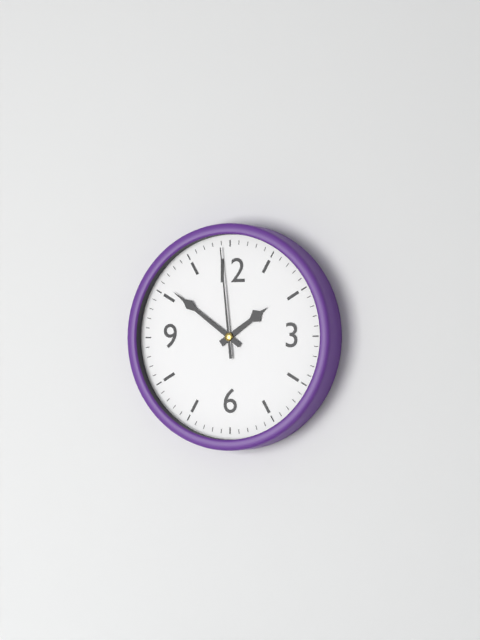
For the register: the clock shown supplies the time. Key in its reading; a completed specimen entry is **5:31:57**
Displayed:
**1:51:59**
